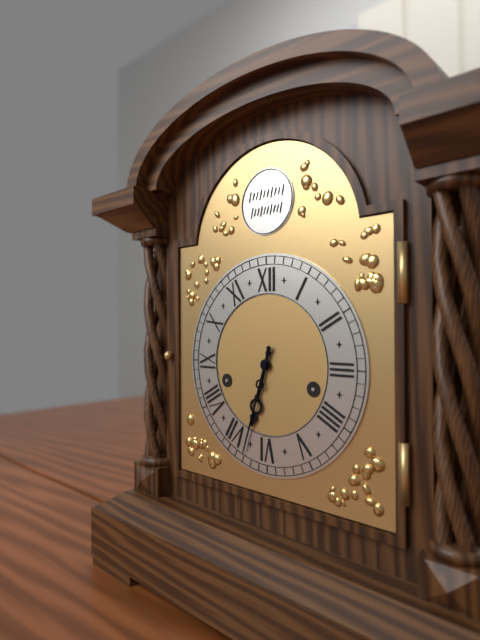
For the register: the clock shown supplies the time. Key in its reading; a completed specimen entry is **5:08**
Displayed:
**6:33**
